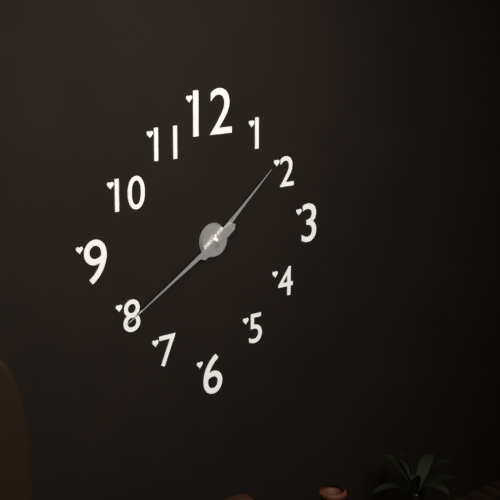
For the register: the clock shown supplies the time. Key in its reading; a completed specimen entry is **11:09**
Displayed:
**1:40**
